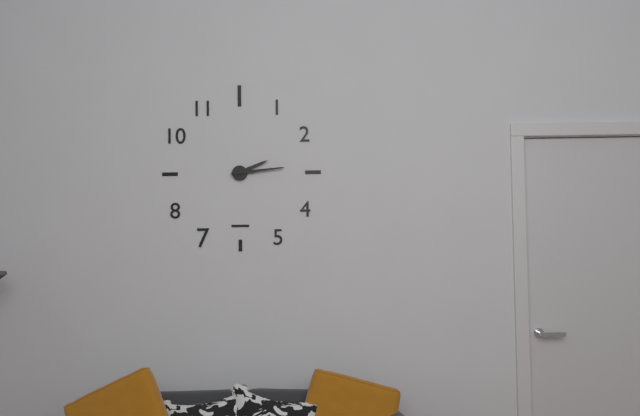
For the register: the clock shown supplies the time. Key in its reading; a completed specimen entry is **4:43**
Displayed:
**2:14**
